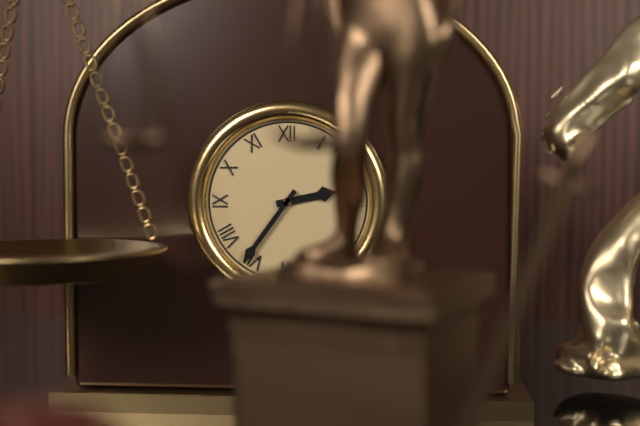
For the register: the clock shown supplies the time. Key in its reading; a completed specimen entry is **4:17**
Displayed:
**2:36**
